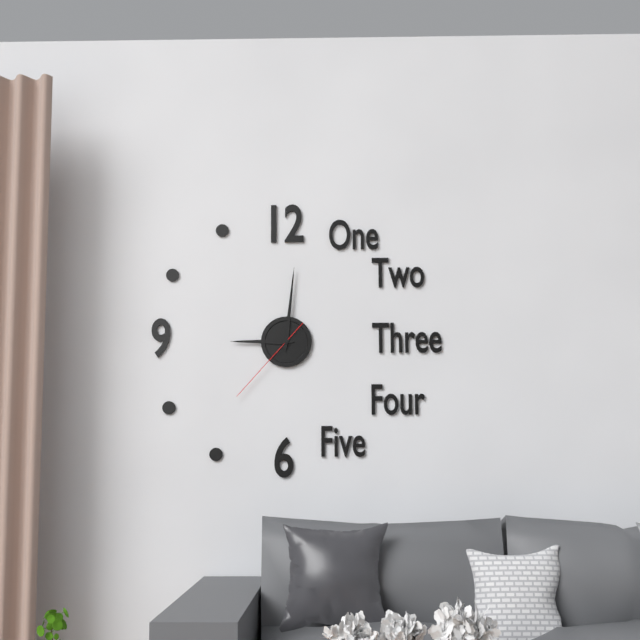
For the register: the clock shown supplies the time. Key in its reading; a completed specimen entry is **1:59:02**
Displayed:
**9:01:37**
